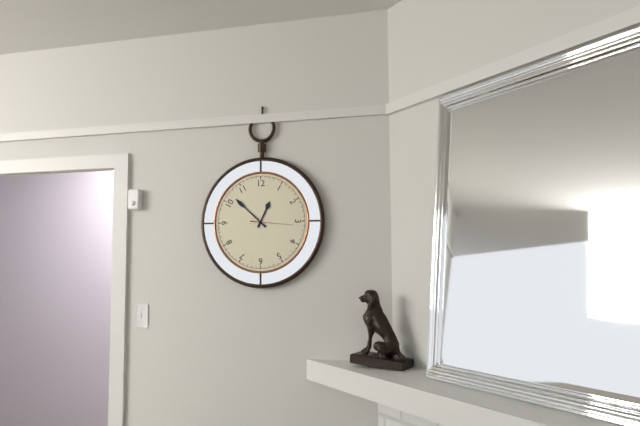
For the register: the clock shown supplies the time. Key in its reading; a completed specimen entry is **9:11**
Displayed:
**12:52**
